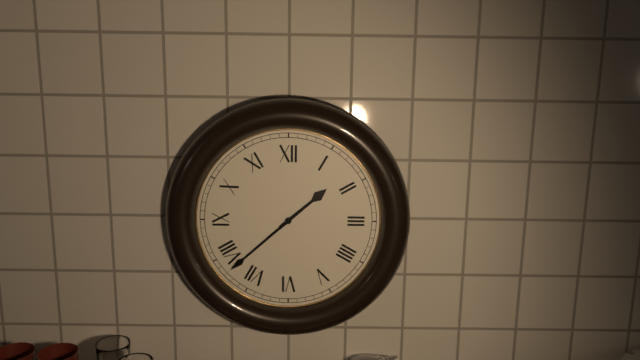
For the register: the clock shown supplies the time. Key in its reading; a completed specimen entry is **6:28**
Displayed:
**1:38**
